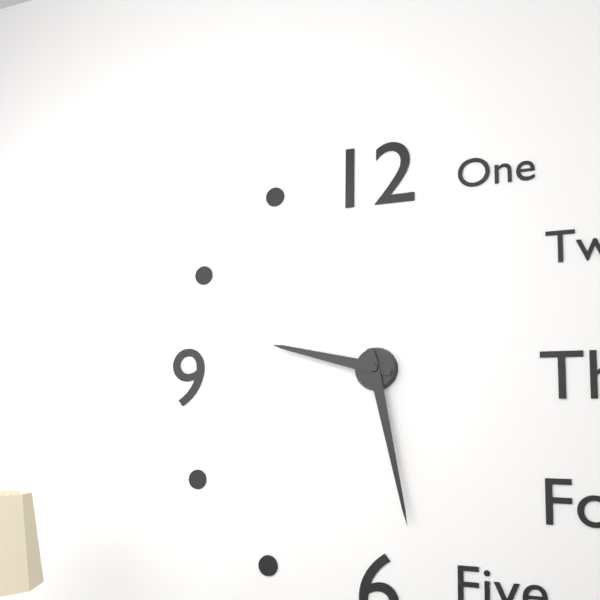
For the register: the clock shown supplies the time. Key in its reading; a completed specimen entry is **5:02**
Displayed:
**9:28**
